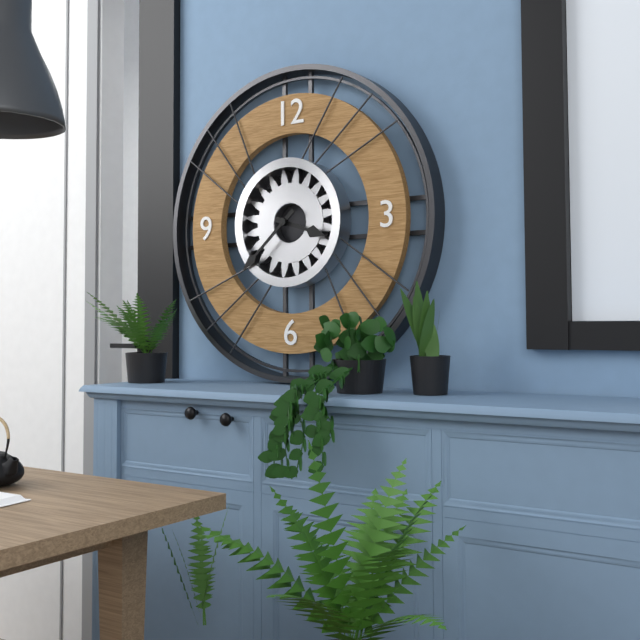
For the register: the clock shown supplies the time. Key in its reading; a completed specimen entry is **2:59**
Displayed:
**3:38**
